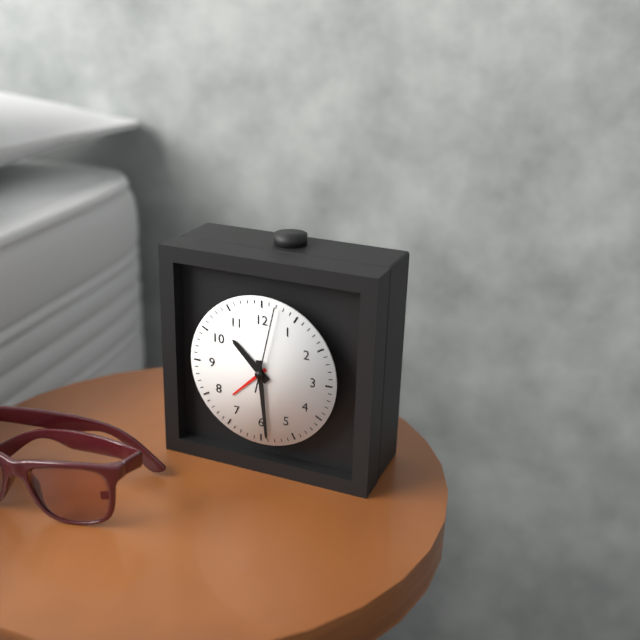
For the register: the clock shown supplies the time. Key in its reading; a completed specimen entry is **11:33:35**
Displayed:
**10:29:02**
